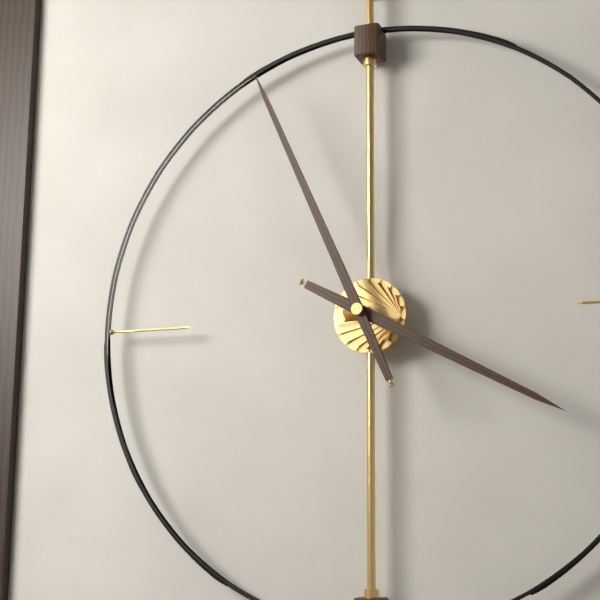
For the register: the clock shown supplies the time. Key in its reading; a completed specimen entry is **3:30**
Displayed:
**3:56**
